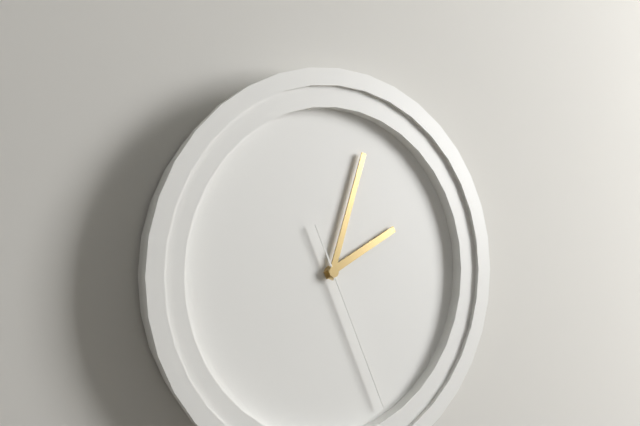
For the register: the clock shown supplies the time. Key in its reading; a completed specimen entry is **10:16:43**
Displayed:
**2:03:26**
